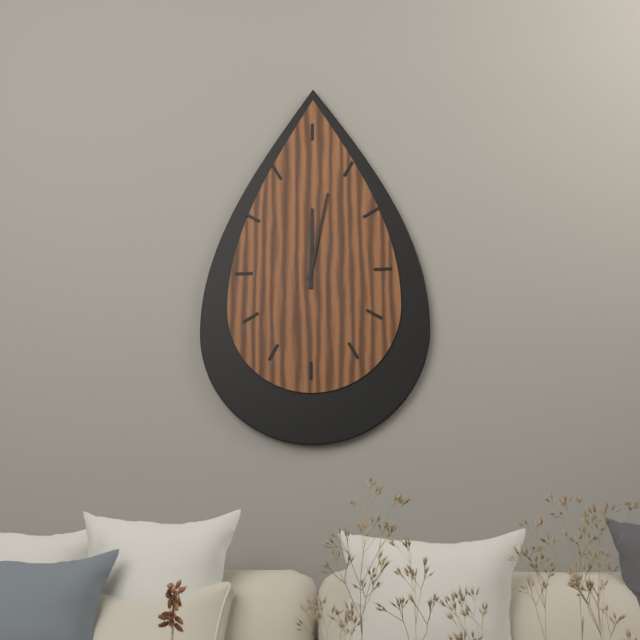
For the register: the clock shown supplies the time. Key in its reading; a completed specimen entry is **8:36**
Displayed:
**12:02**
